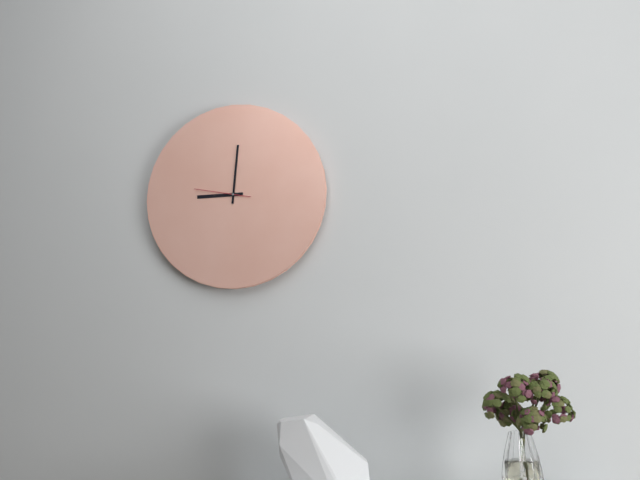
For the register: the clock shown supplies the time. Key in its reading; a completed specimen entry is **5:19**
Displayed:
**9:01**
